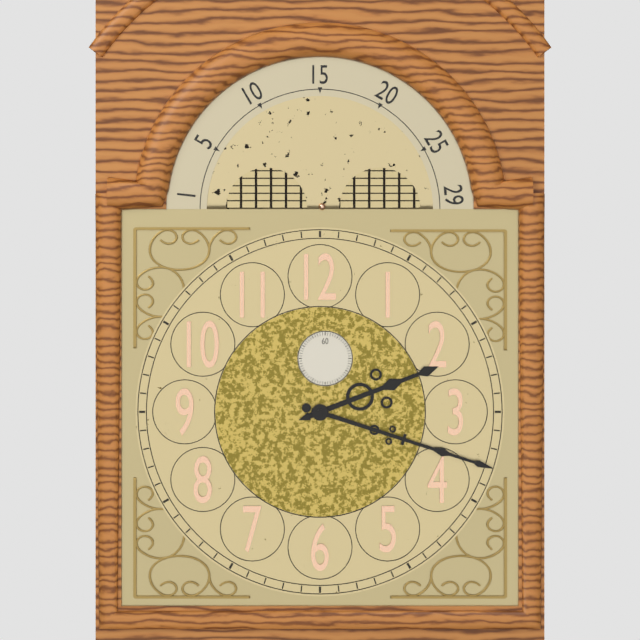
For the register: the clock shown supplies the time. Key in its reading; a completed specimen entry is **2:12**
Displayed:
**2:18**
